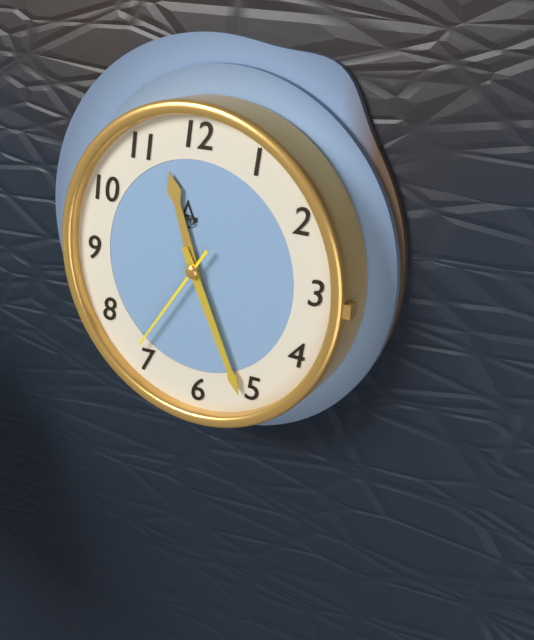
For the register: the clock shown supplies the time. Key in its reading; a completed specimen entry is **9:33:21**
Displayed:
**11:26:36**
